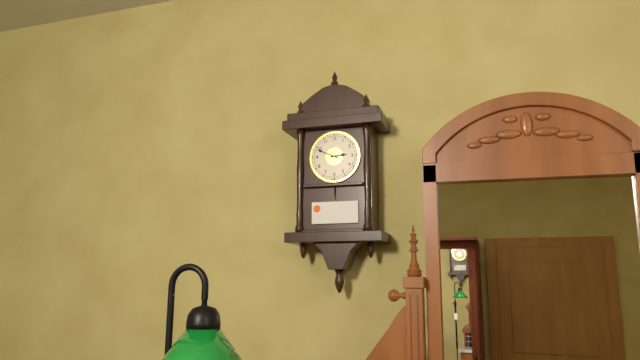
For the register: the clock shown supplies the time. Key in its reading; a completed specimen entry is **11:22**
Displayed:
**2:49**
